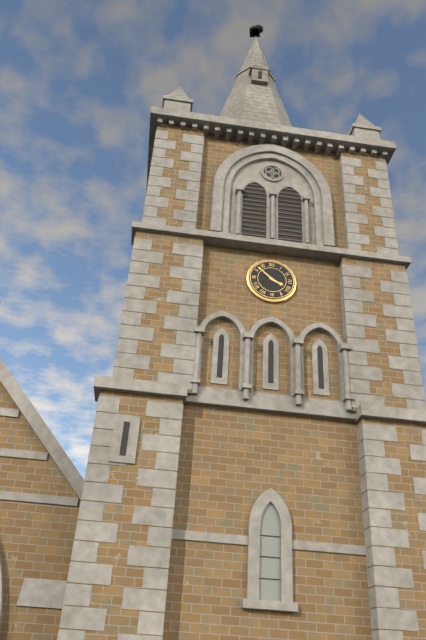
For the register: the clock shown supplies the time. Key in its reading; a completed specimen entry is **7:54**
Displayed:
**3:52**
